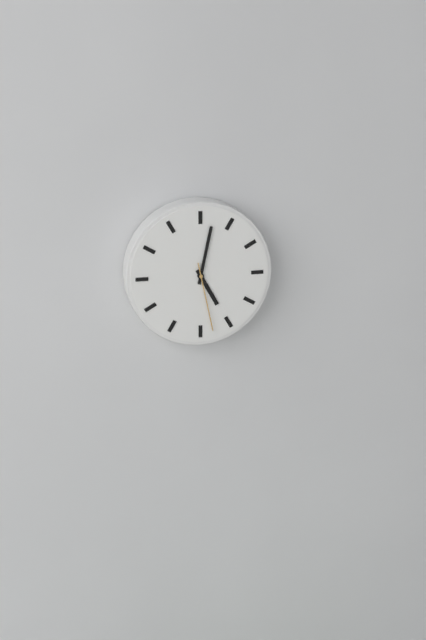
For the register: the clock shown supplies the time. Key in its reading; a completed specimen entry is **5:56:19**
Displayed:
**5:02:28**
